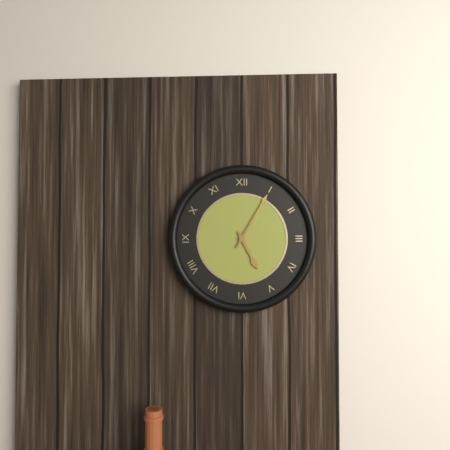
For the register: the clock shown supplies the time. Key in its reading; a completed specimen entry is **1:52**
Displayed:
**5:05**
